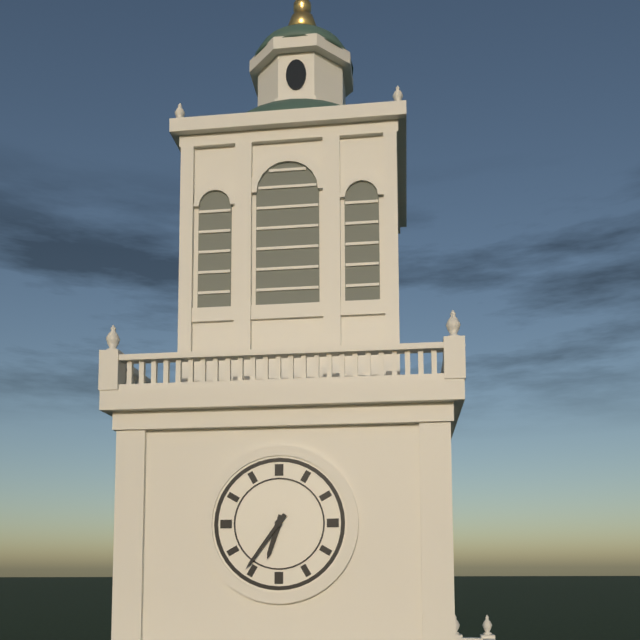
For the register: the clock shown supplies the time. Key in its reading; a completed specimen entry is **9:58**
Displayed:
**6:36**
